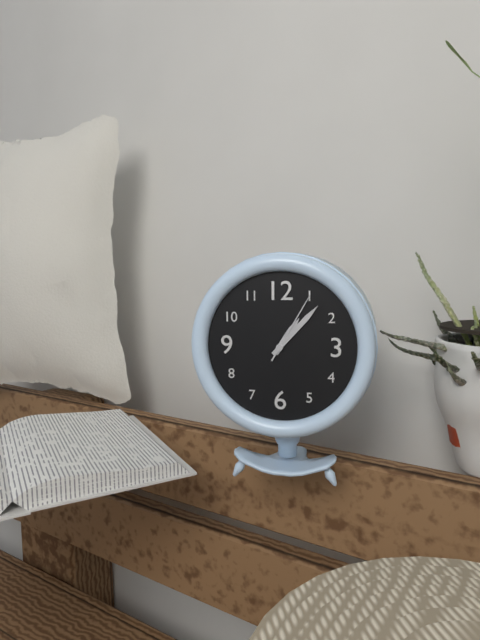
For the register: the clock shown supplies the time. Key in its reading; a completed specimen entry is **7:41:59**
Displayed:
**1:07:05**
